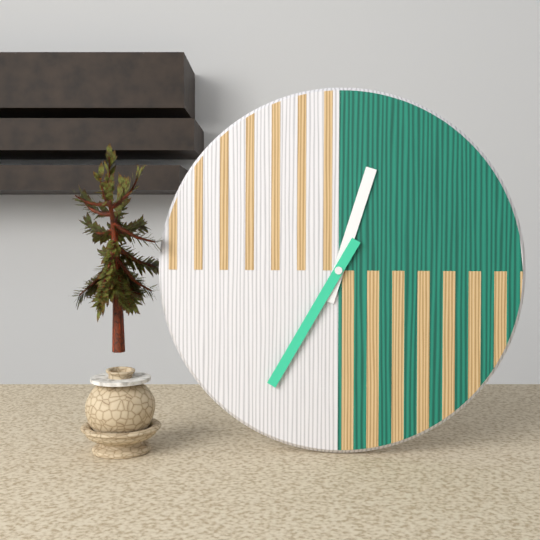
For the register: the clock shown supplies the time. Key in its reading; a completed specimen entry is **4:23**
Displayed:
**12:35**
